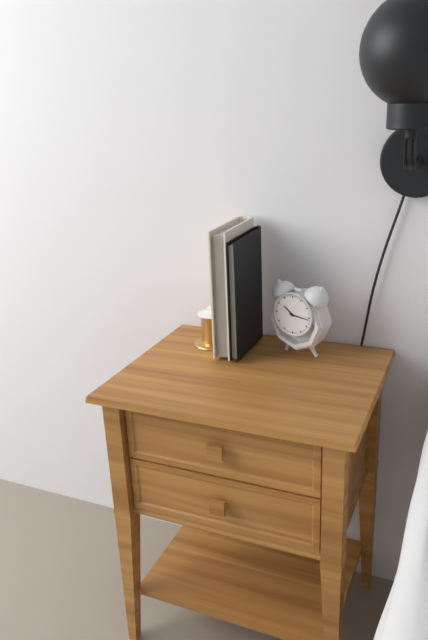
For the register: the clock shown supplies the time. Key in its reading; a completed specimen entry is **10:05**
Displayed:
**10:16**
